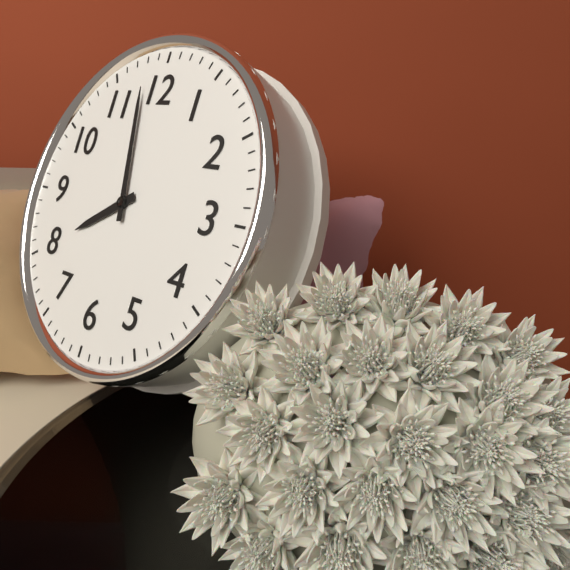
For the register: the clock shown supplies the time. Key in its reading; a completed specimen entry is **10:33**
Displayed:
**7:58**
